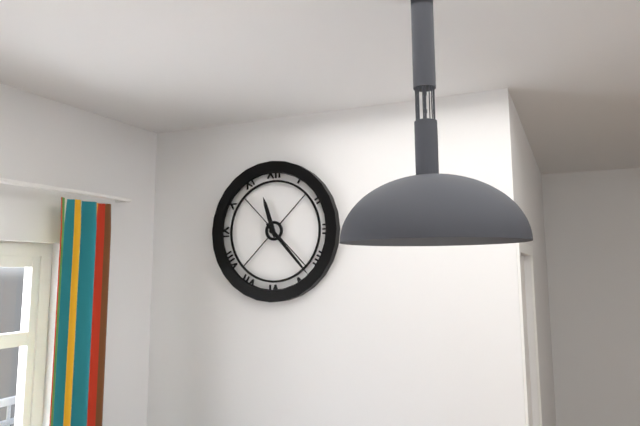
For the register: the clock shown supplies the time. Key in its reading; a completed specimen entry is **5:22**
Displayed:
**11:23**
